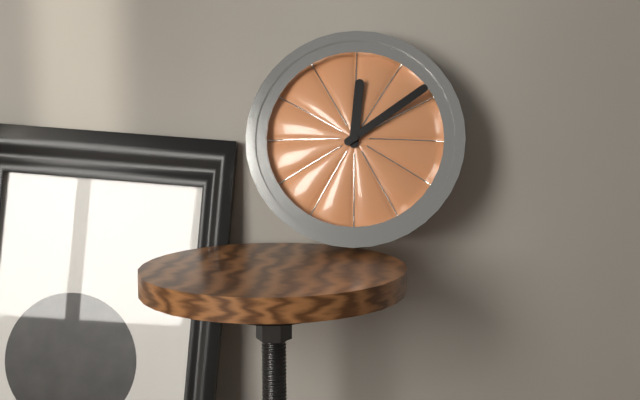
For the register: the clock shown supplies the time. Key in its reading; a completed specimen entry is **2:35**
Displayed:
**12:09**
